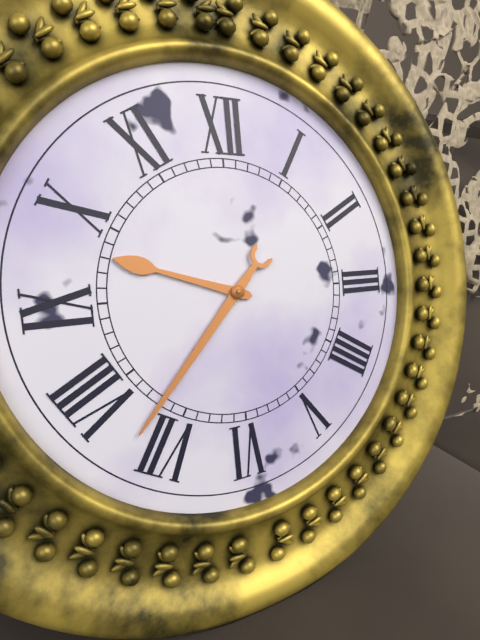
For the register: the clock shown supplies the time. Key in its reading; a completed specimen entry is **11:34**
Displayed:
**9:37**
